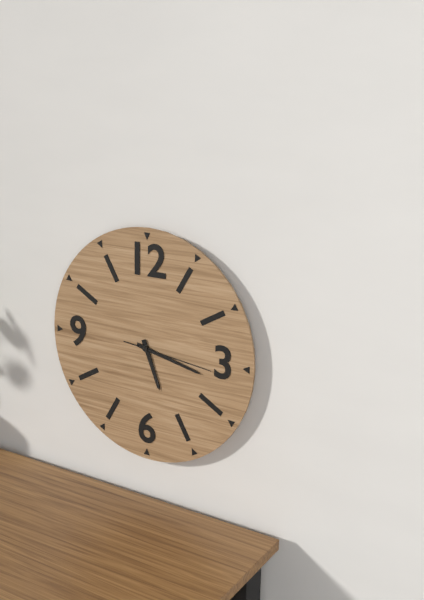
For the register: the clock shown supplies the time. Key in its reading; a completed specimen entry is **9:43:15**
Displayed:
**5:17:16**
